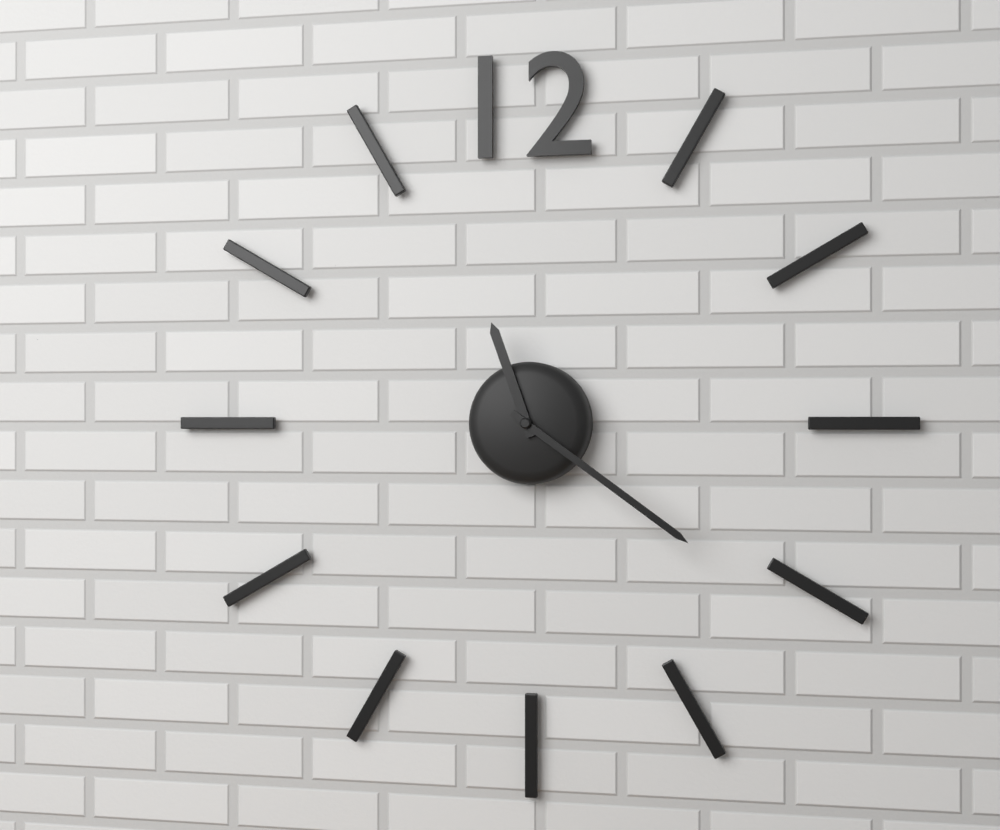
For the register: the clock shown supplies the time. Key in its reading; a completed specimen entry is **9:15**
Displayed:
**11:21**
